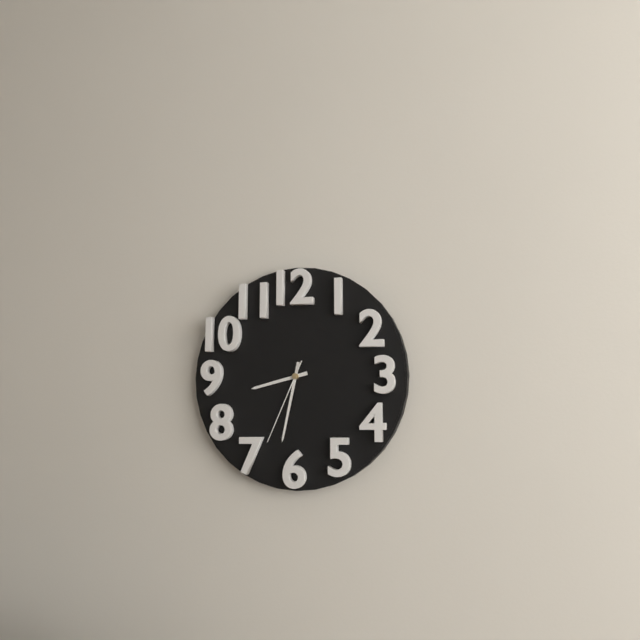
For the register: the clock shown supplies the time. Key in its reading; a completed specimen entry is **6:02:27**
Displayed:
**8:32:34**
